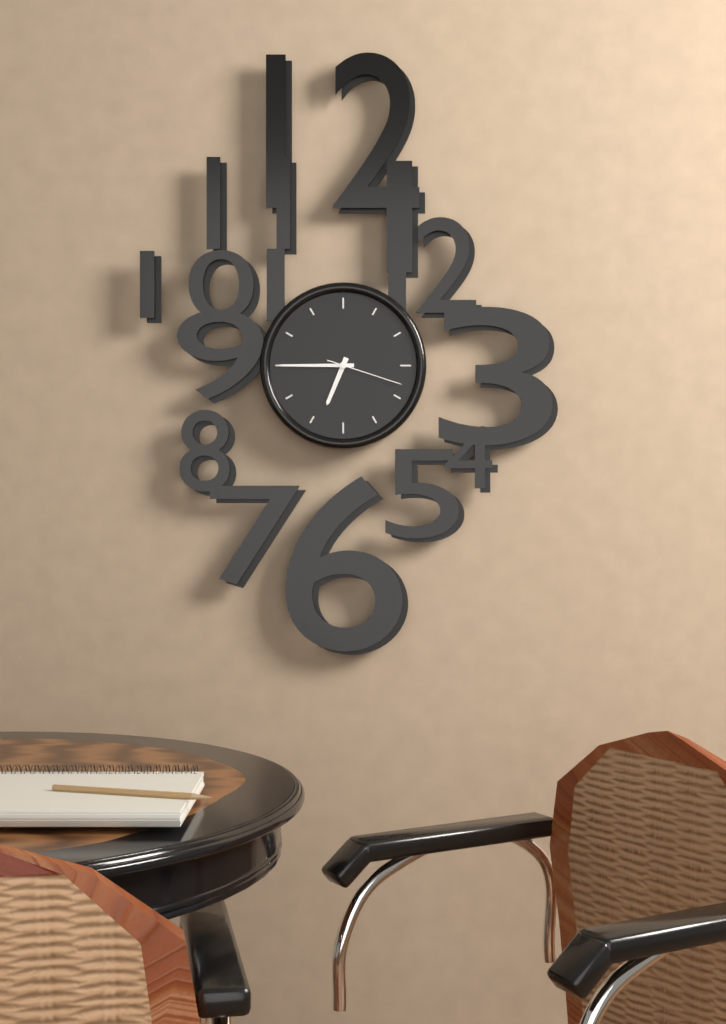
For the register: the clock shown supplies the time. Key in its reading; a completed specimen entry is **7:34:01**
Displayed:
**6:45:18**
